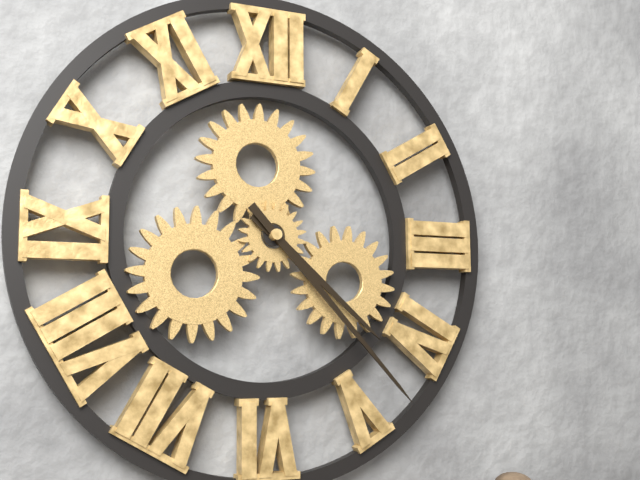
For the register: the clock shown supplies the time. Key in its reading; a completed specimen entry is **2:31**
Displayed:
**4:23**
